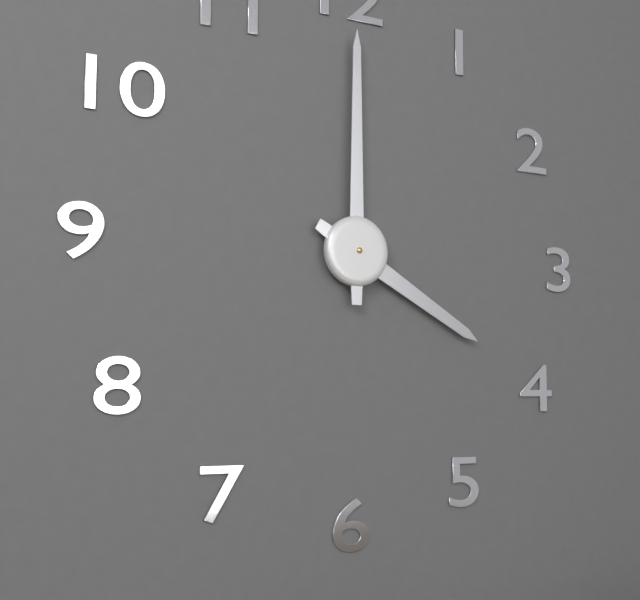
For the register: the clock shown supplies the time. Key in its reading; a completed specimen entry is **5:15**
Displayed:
**4:00**
